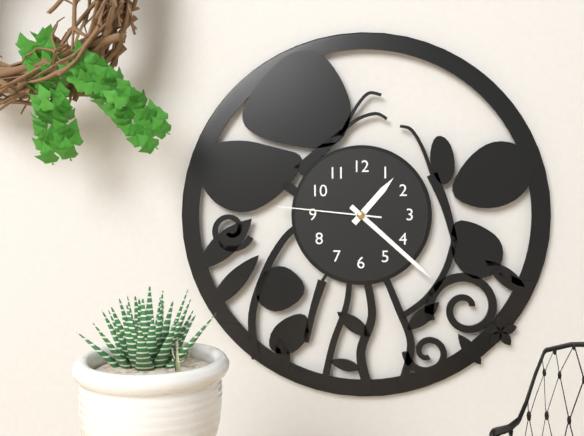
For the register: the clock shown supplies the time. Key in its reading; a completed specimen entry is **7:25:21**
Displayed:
**1:22:46**
